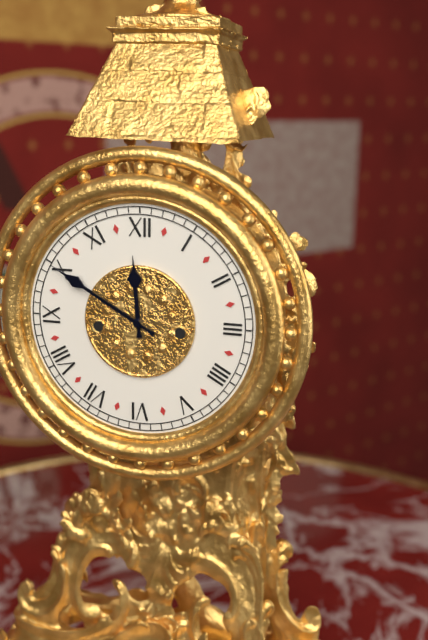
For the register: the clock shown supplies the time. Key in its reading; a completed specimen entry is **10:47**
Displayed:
**11:50**
